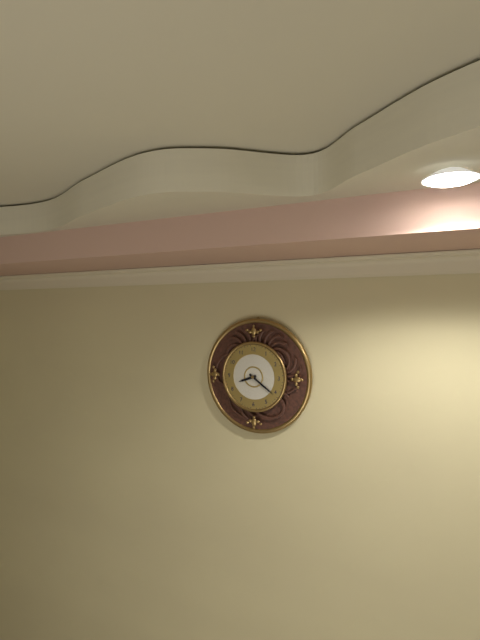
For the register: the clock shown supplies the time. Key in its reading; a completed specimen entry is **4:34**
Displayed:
**8:21**
